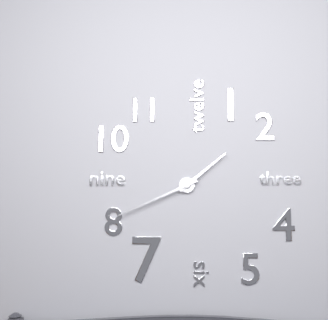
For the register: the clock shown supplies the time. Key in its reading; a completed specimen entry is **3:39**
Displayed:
**1:41**
